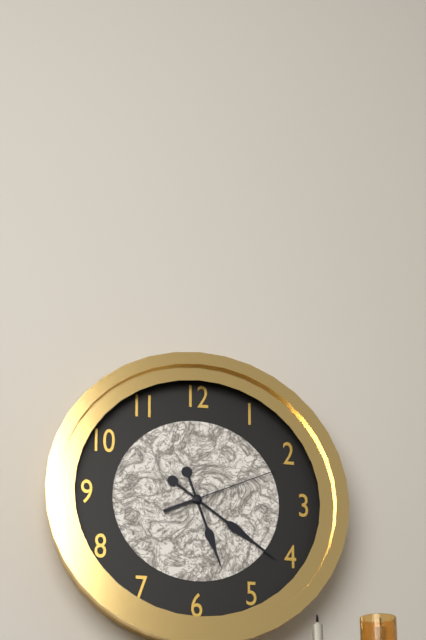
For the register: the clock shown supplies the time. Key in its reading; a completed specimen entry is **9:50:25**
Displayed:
**5:21:11**
